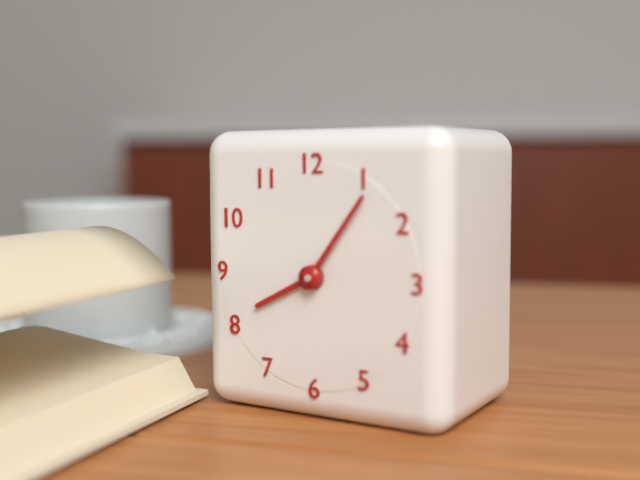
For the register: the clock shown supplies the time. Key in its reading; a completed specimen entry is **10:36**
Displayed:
**8:06**
